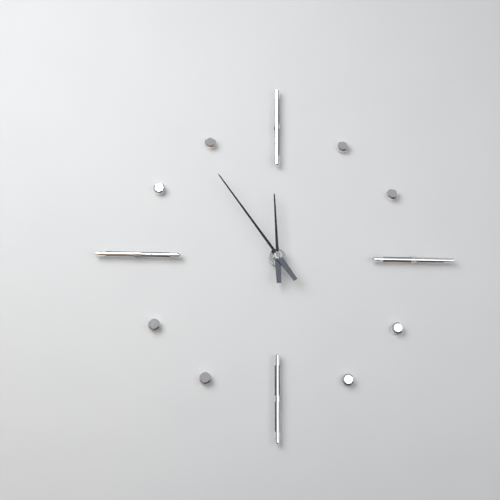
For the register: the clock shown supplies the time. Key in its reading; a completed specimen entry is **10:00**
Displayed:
**11:54**
